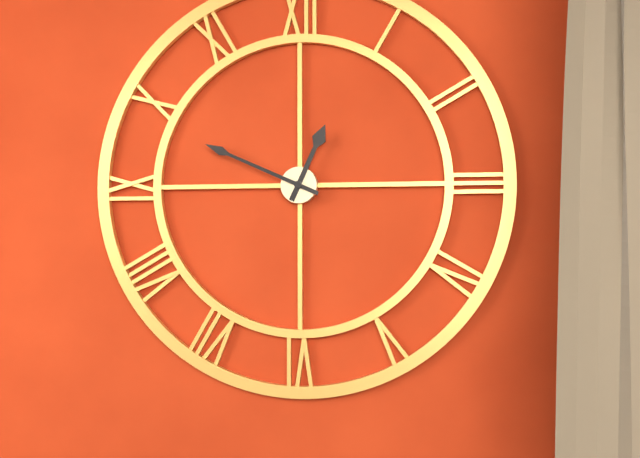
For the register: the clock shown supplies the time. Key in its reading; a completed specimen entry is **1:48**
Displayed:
**12:49**
